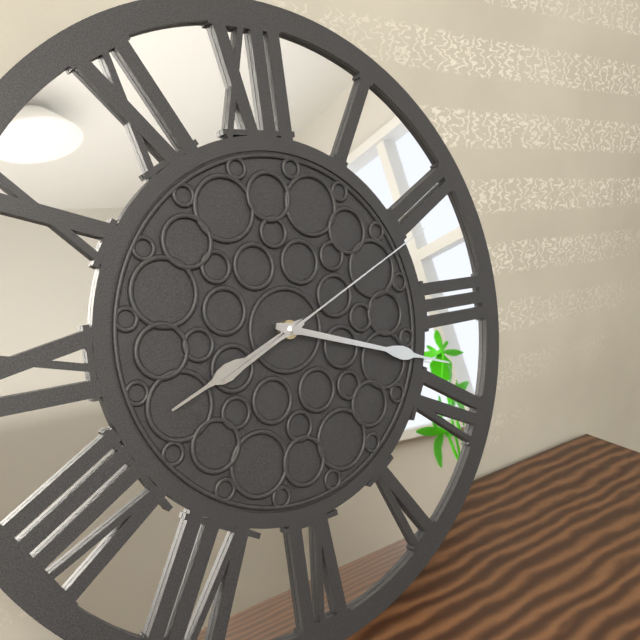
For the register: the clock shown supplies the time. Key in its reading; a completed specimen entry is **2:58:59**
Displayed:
**8:18:11**
